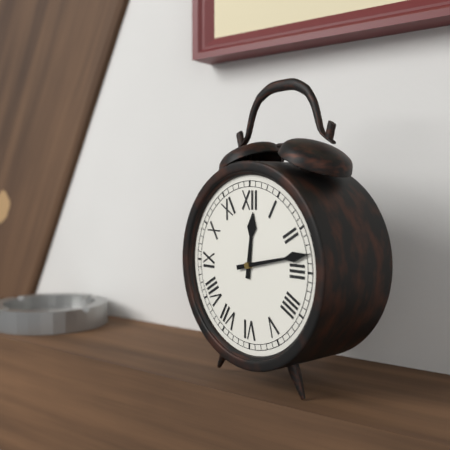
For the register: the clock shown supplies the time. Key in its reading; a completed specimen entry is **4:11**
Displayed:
**12:13**
